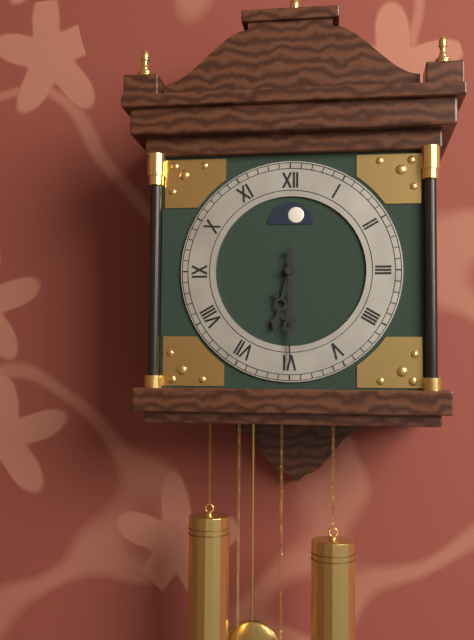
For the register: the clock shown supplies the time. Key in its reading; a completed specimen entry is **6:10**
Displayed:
**6:30**
